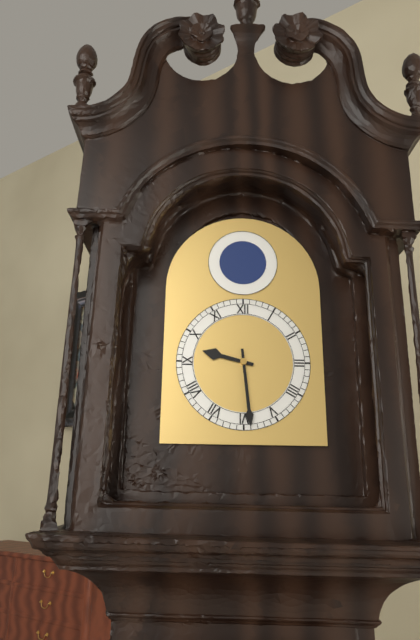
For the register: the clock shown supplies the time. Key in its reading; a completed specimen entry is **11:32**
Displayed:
**9:29**
